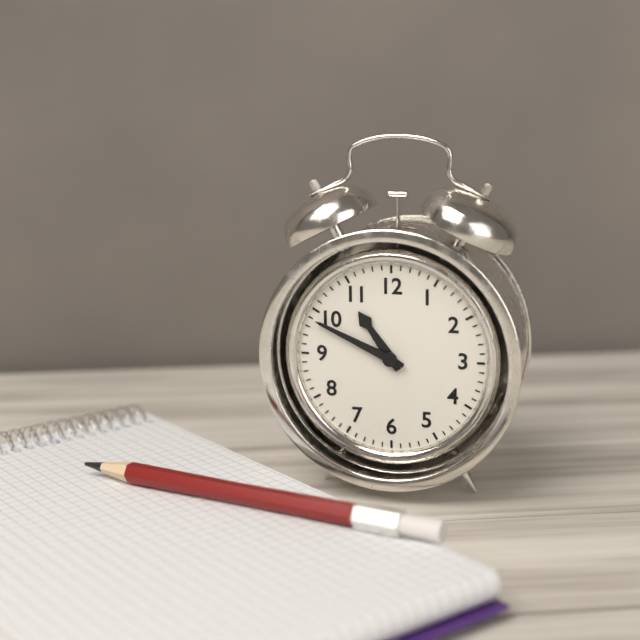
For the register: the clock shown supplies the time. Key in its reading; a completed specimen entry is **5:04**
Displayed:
**10:49**
